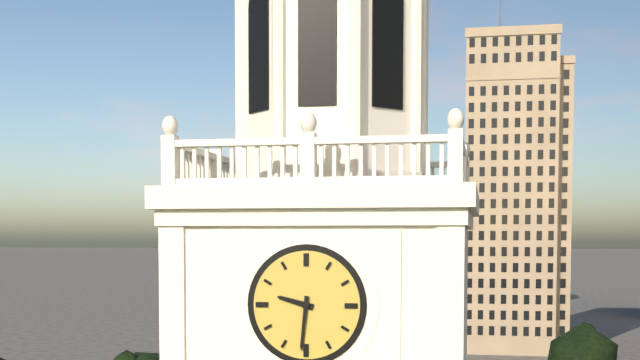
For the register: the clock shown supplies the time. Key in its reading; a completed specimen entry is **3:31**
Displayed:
**9:31**
